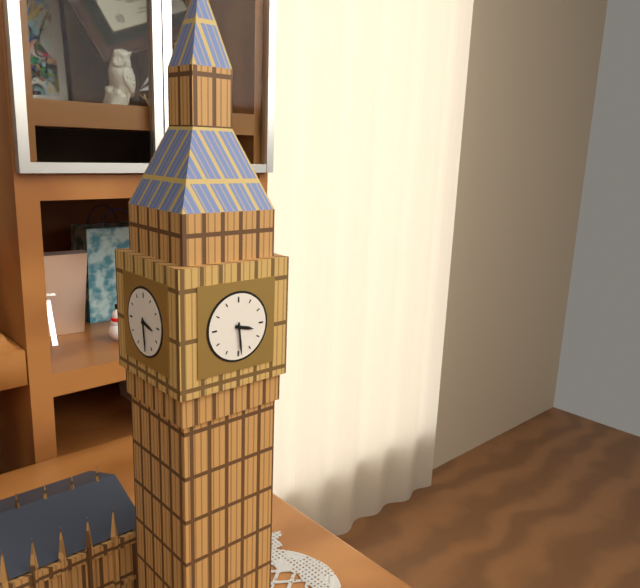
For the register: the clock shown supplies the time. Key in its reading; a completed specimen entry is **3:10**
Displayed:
**3:29**
